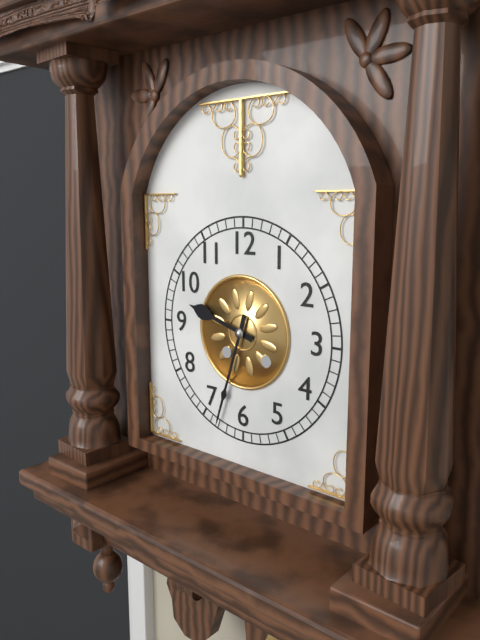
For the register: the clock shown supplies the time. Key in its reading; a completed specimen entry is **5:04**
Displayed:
**9:33**
